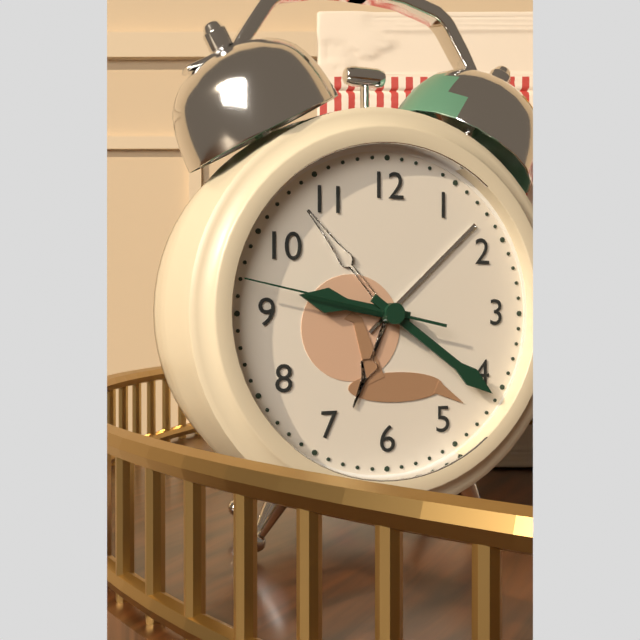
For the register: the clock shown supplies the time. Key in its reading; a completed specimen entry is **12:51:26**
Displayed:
**9:21:47**
